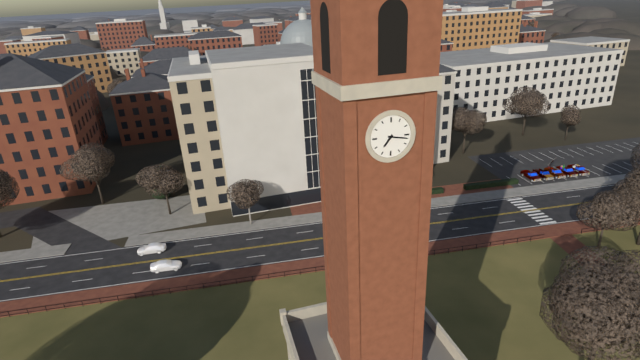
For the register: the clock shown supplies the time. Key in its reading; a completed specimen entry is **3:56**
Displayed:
**7:17**
